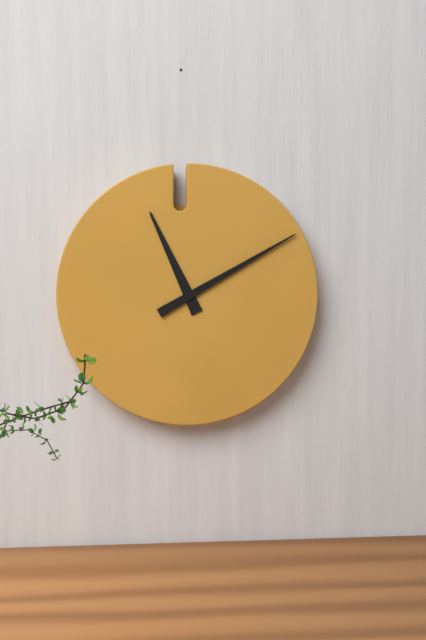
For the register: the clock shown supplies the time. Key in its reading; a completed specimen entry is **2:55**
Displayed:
**11:10**
